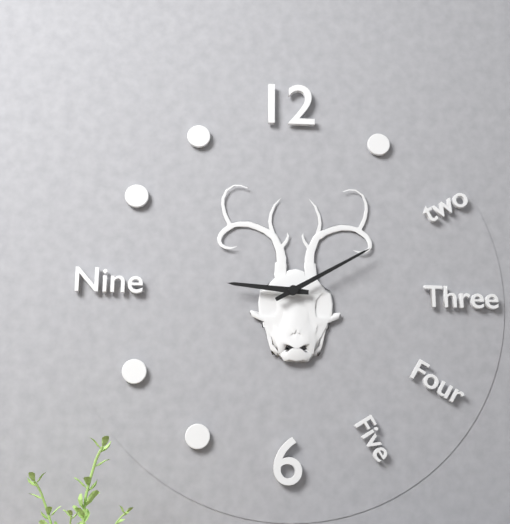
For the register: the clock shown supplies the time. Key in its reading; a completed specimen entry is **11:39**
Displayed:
**9:10**
